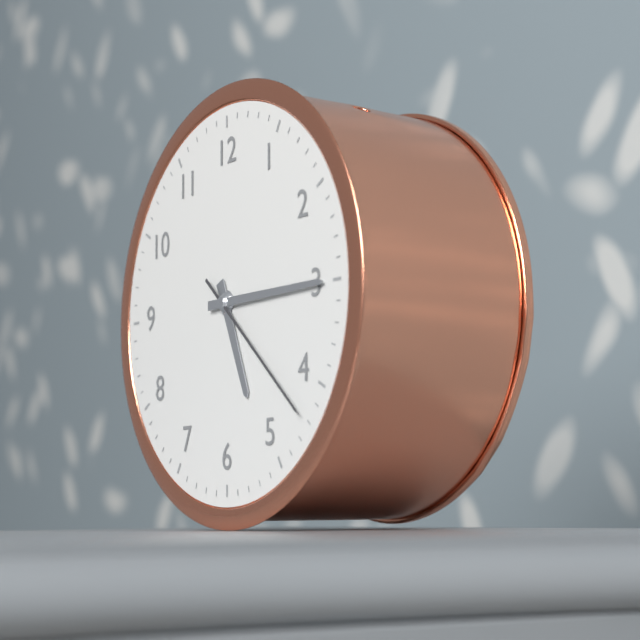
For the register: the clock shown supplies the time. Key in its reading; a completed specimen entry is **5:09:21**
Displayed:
**5:15:22**
